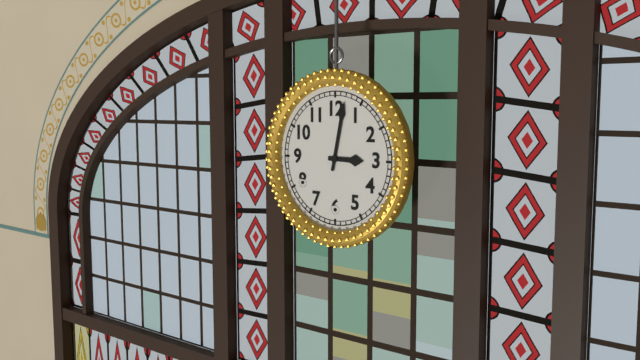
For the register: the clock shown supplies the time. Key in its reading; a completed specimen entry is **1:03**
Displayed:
**3:02**
